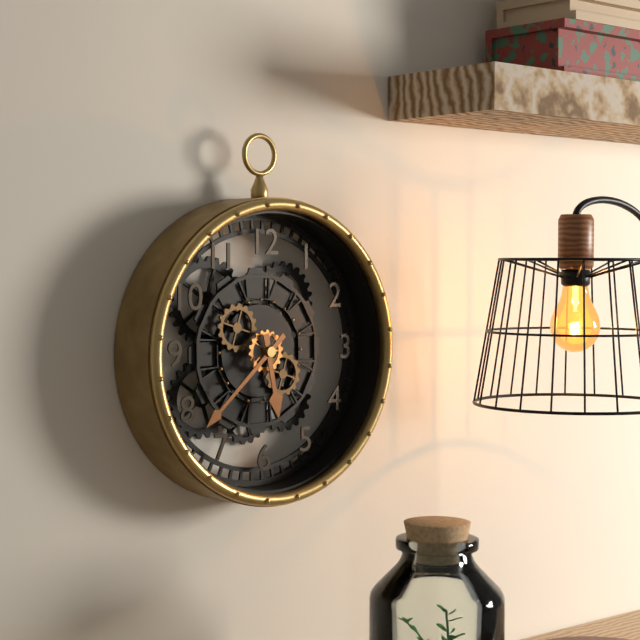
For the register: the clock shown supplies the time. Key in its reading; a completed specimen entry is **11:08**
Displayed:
**5:38**
